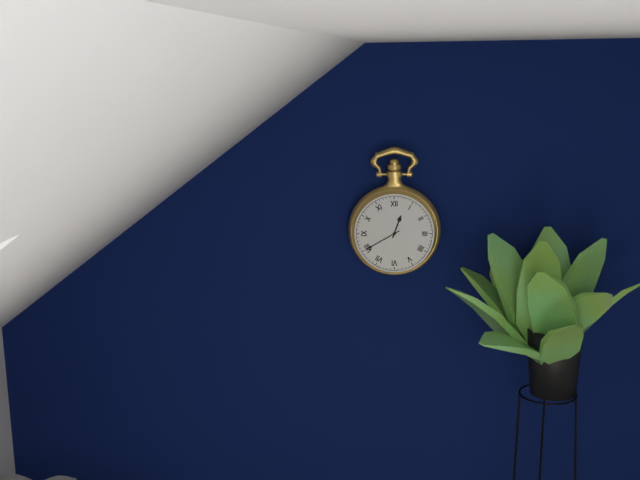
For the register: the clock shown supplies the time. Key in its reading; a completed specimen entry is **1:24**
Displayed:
**12:40**
